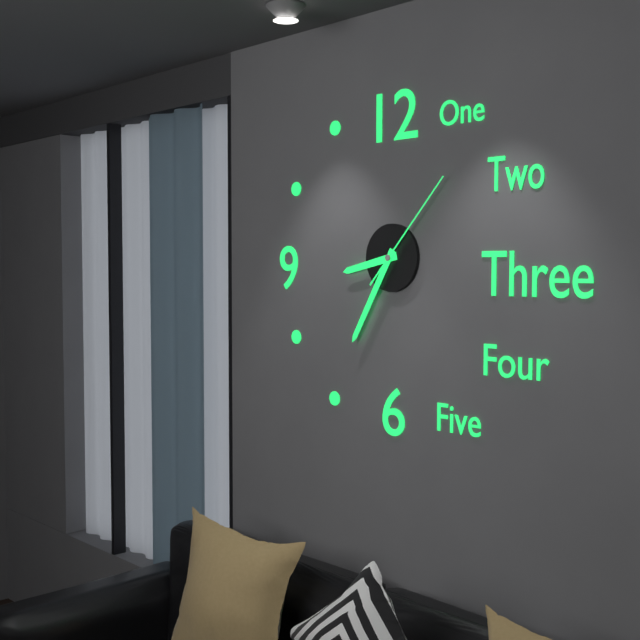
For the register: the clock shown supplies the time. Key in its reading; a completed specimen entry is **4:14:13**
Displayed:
**8:35:07**
